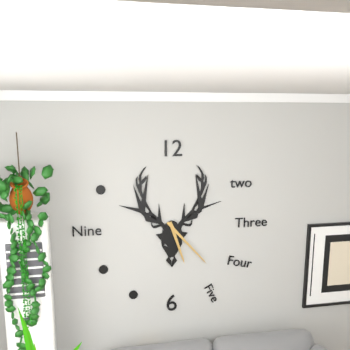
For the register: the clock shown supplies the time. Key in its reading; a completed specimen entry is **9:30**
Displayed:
**5:23**
